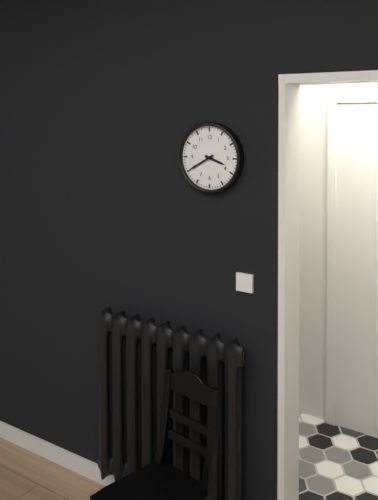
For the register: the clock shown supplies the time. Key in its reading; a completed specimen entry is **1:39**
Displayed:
**3:40**
